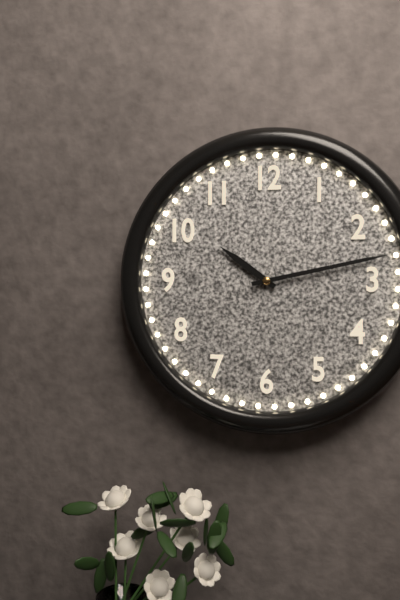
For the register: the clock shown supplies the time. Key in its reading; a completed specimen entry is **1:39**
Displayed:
**10:13**
